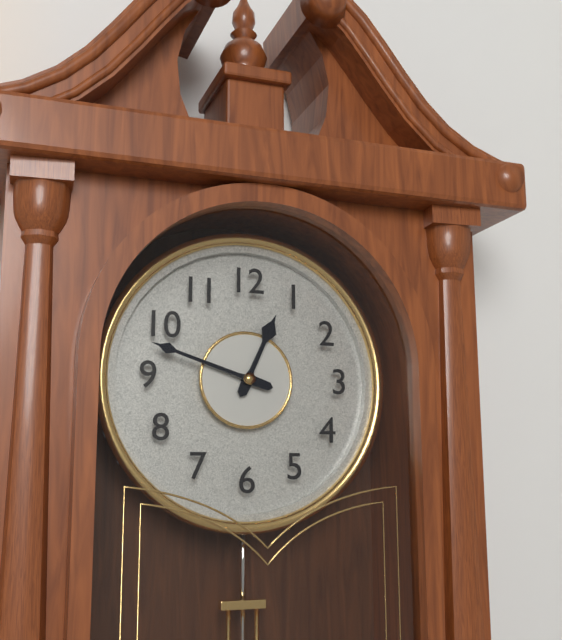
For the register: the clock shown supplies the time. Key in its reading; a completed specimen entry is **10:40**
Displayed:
**12:48**
